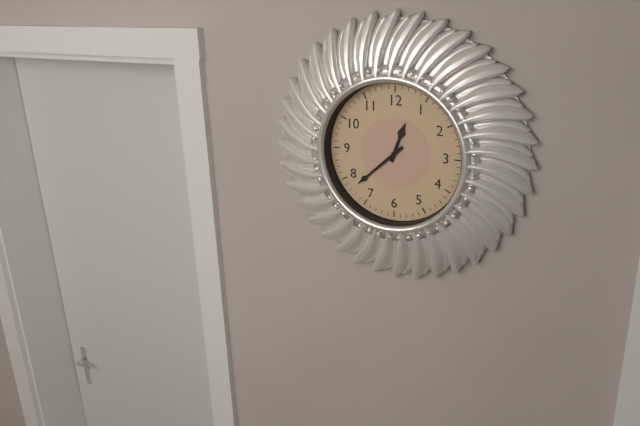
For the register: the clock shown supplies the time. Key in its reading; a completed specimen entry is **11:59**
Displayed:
**12:38**
